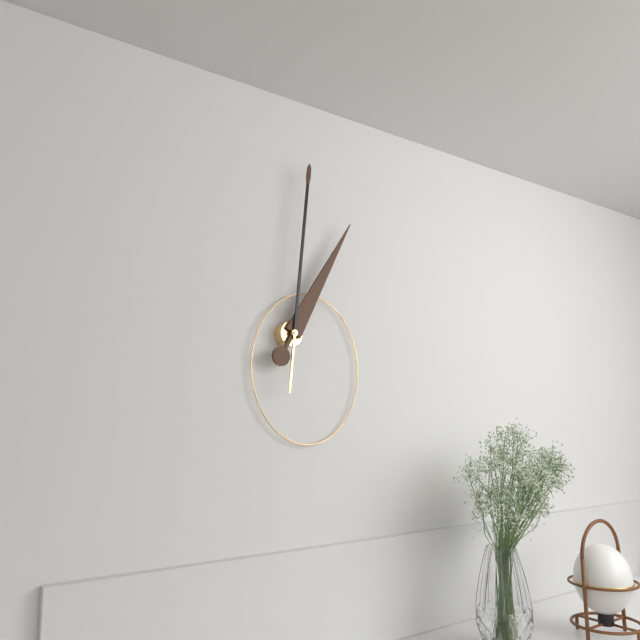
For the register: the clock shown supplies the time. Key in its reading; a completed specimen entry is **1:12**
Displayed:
**1:01**
